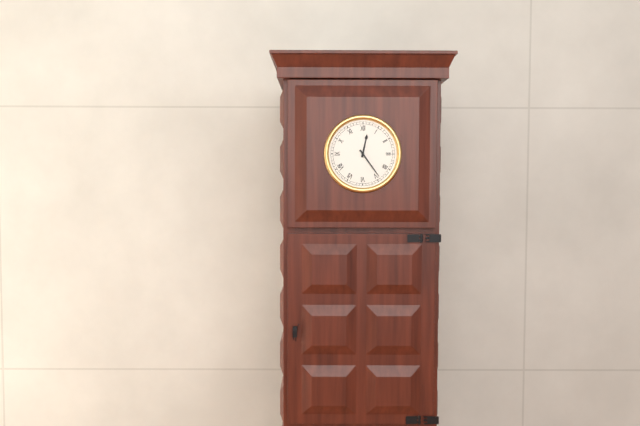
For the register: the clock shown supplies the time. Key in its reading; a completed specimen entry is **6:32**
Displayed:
**12:24**
